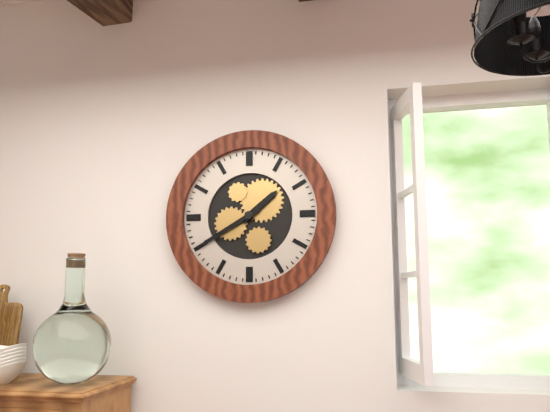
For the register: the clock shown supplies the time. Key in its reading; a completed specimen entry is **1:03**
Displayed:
**1:40**
